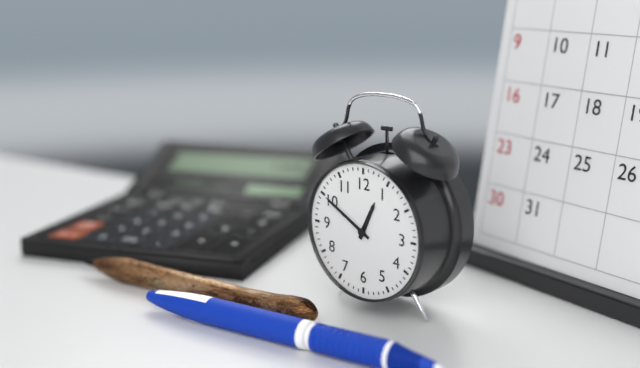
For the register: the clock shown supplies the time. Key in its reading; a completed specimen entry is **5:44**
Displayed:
**12:50**
